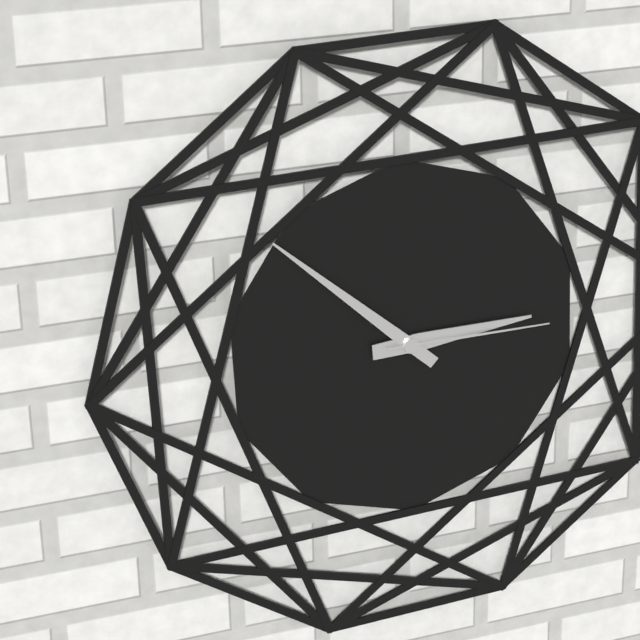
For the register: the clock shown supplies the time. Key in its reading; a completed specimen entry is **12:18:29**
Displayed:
**2:52:15**
